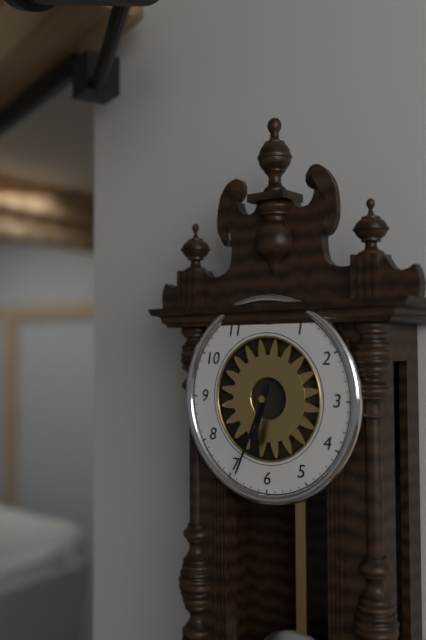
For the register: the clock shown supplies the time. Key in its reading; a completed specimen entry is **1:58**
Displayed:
**6:34**
